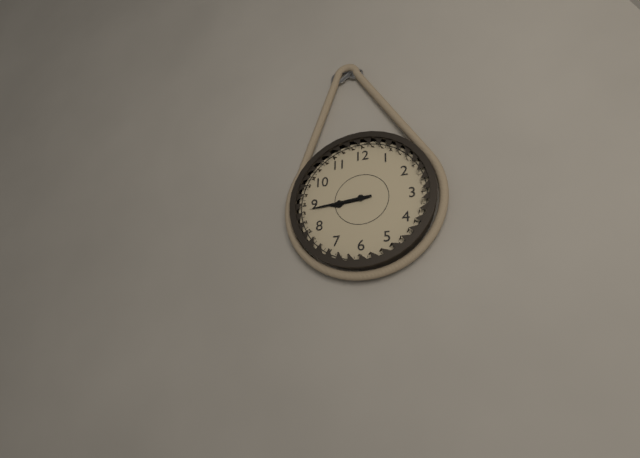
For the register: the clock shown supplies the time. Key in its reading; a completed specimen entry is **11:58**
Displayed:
**8:44**
